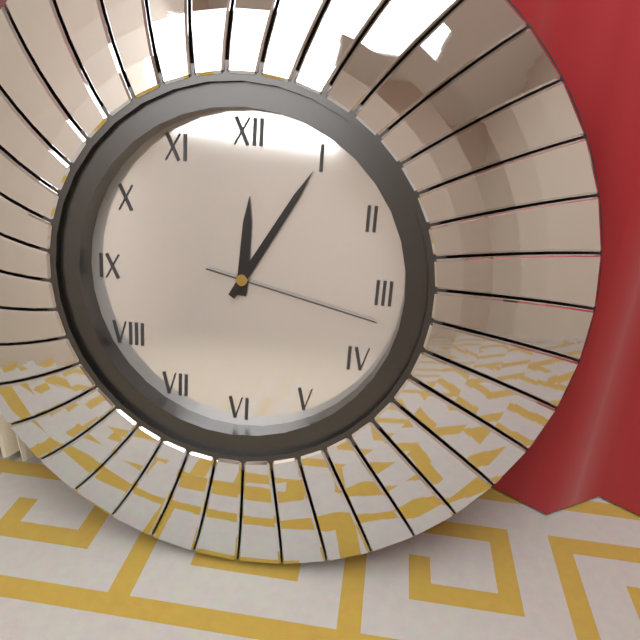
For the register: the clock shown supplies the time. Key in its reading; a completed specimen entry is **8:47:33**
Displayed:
**12:05:17**
